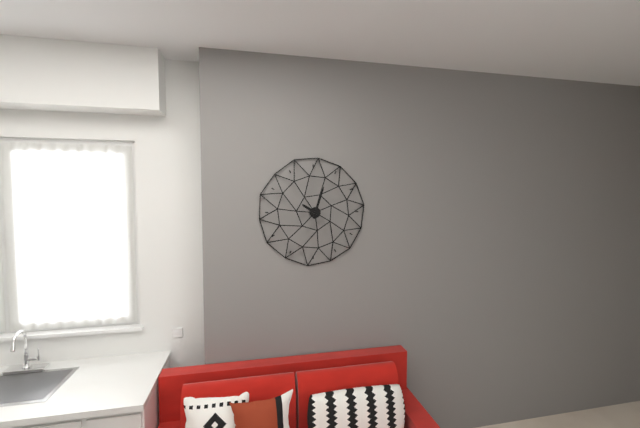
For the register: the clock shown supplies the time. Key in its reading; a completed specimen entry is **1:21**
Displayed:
**10:03**
